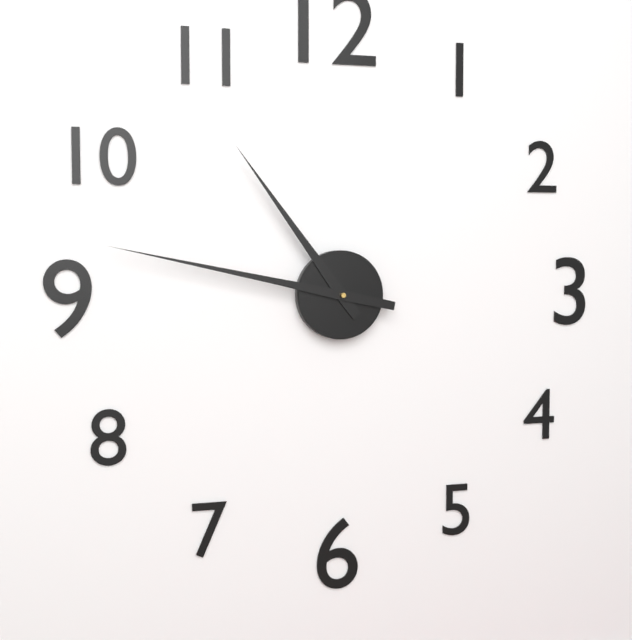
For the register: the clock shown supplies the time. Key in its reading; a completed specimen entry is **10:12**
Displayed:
**10:47**
